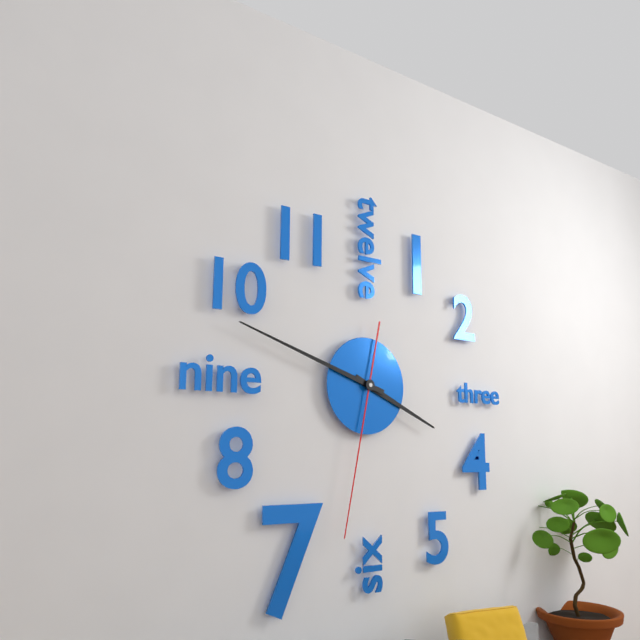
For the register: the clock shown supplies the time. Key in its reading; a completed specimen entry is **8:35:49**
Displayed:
**3:48:32**
